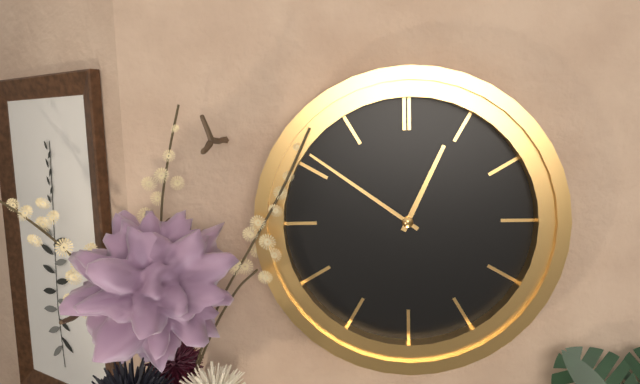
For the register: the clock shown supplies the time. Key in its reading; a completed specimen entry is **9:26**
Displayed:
**12:51**
